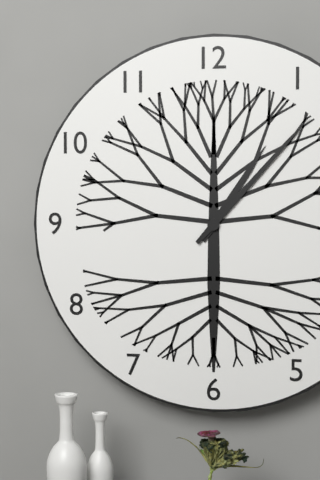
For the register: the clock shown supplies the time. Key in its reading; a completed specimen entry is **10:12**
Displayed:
**1:07**
